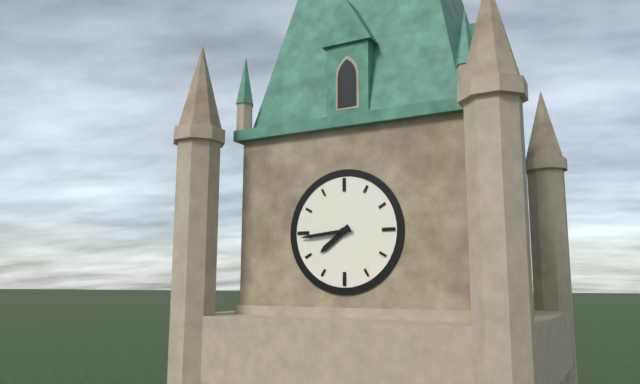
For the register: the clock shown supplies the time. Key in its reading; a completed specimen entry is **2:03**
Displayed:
**7:44**
